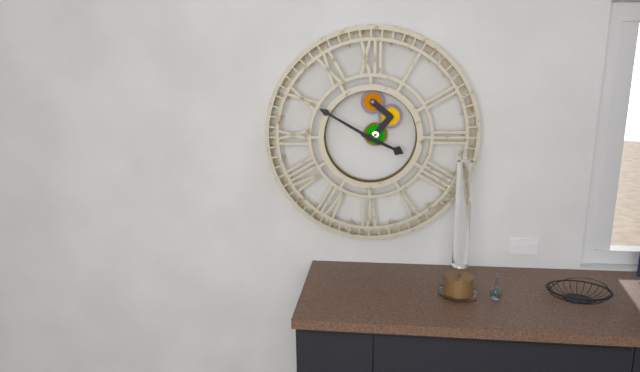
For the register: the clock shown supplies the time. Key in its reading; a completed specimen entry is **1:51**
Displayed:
**3:50**
